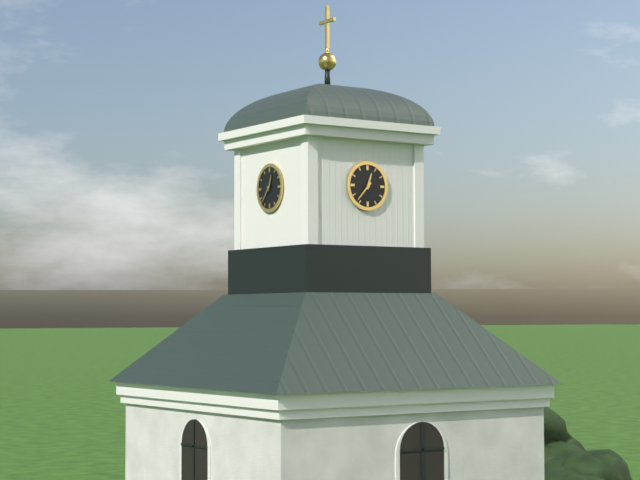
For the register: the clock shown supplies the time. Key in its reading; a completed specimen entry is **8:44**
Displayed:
**12:37**
